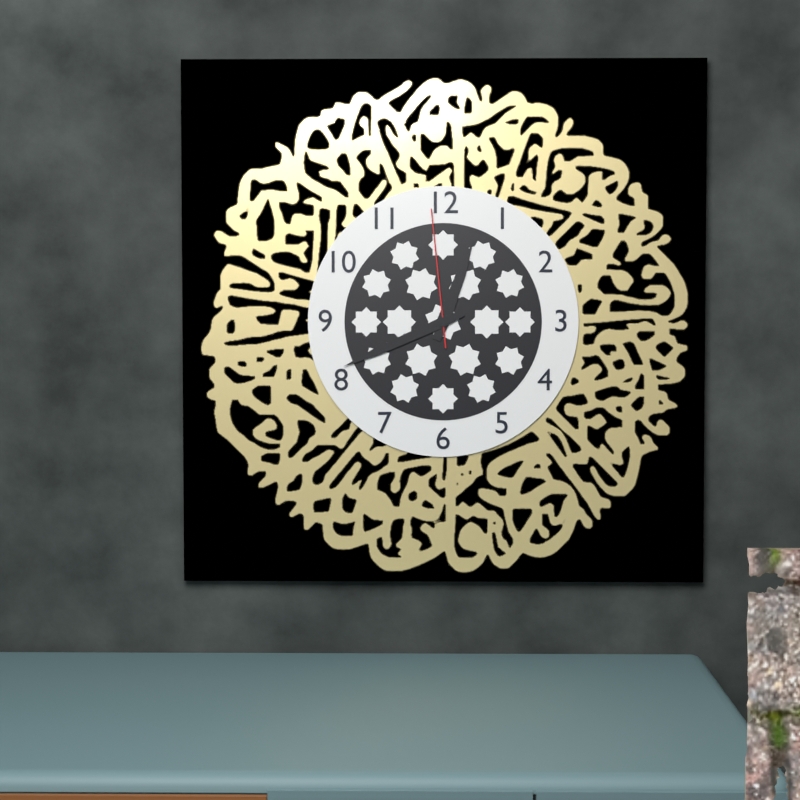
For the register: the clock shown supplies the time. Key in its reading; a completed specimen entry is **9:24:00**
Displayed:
**12:41:59**
